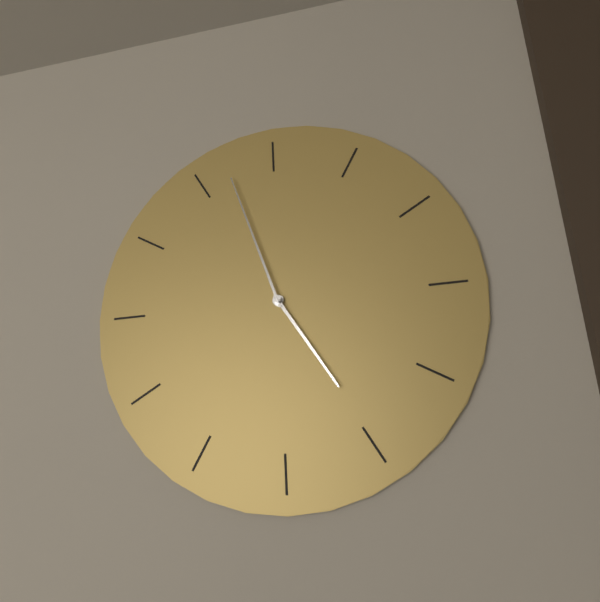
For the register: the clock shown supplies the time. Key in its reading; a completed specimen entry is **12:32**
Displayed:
**4:57**
